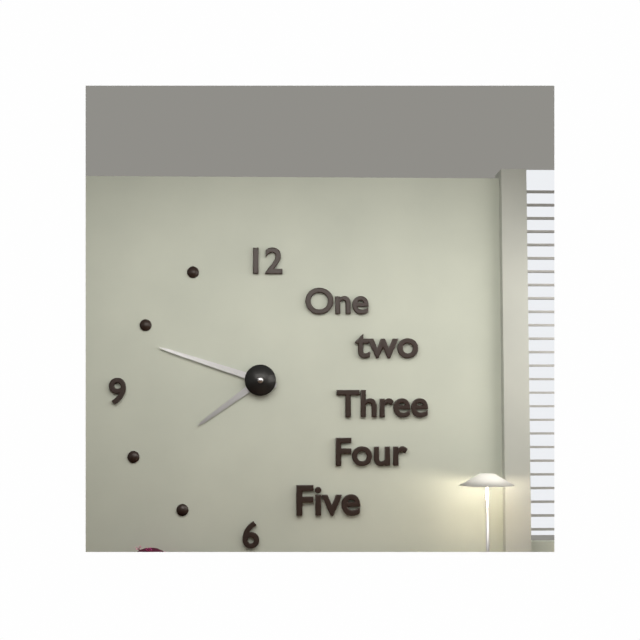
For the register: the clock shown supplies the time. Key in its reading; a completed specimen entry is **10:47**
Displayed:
**7:48**
